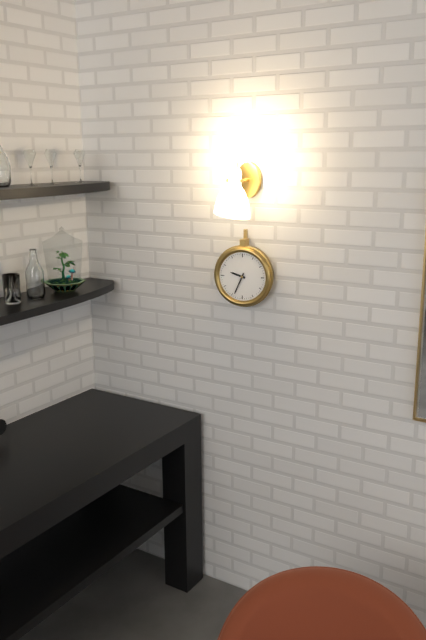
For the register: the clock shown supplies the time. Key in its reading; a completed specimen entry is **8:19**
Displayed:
**9:34**
